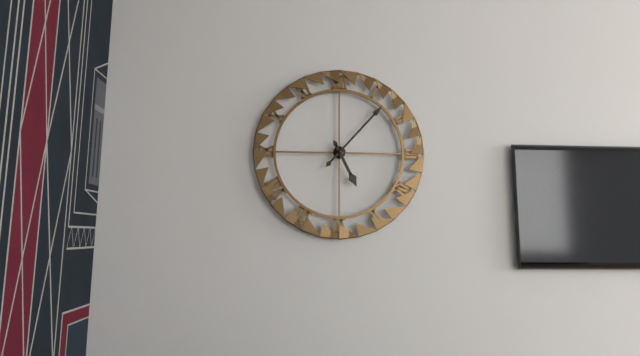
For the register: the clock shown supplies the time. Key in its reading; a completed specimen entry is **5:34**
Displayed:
**5:07**
